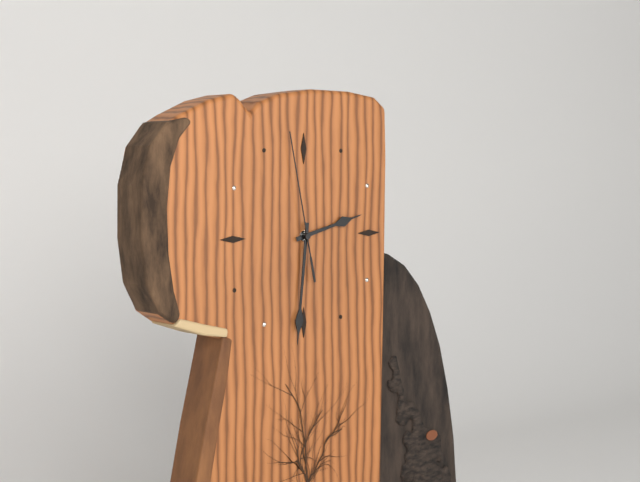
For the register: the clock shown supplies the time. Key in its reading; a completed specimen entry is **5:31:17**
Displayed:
**2:31:58**
